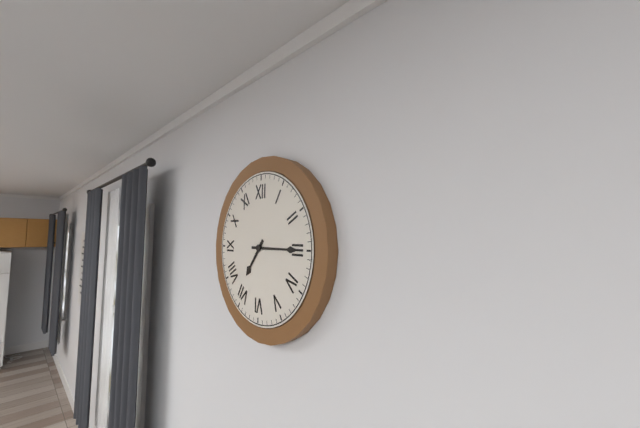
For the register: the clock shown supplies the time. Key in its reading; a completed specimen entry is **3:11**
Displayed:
**7:15**
